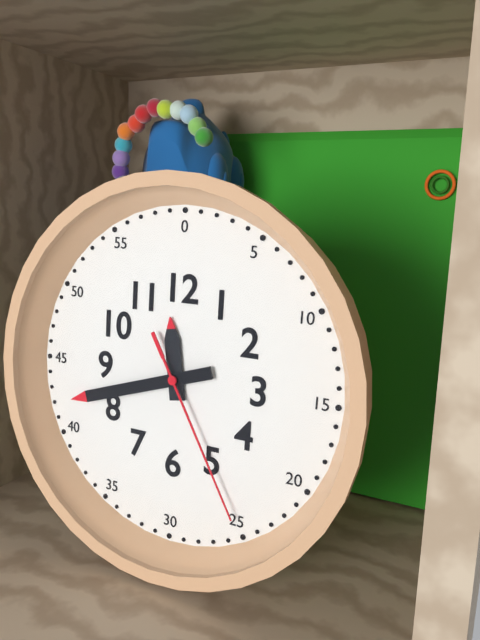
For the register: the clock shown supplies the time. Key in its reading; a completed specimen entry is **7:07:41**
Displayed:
**11:42:25**
